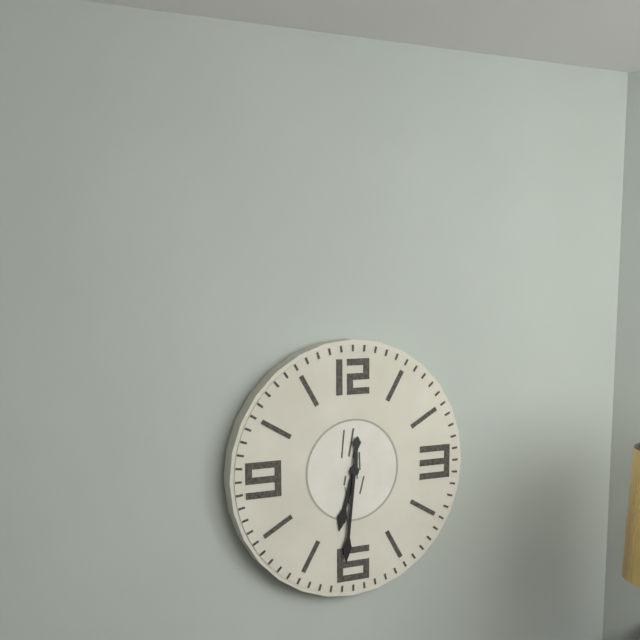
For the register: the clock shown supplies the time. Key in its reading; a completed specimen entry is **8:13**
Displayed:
**6:31**
